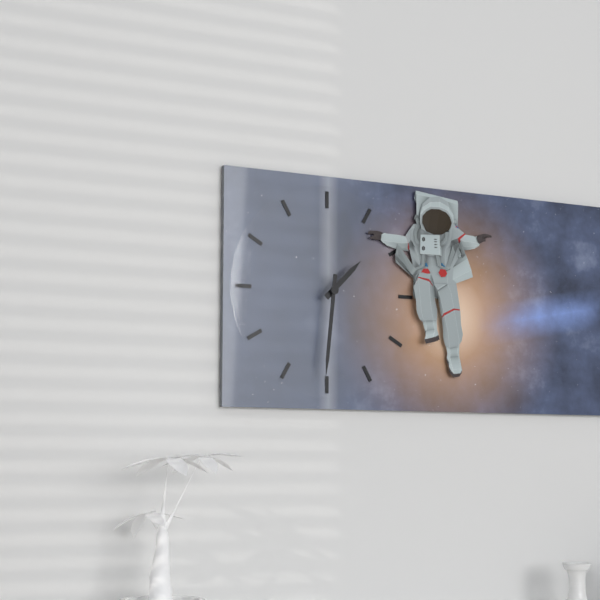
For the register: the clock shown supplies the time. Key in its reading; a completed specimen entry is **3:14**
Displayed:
**1:31**
